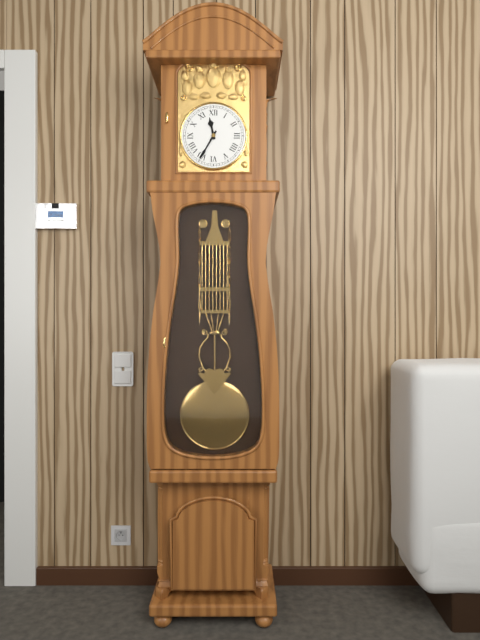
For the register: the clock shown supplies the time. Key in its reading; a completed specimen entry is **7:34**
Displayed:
**11:35**
